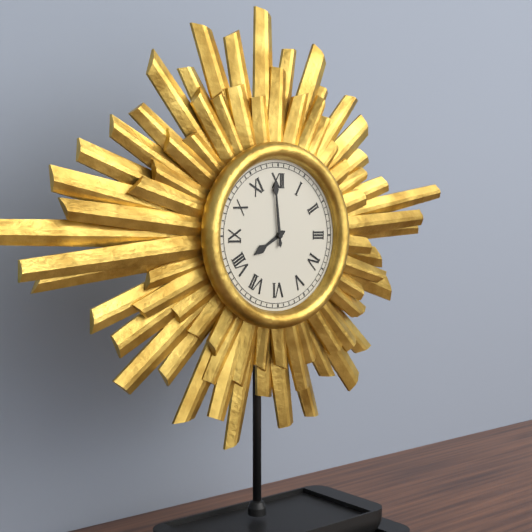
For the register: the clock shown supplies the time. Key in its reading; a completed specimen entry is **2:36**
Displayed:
**7:59**
